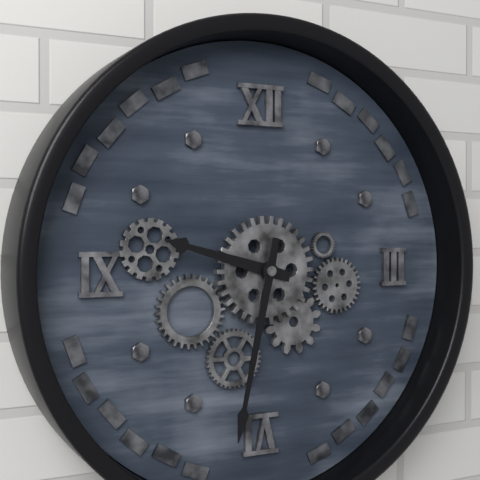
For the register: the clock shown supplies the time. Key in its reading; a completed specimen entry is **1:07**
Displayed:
**9:32**
